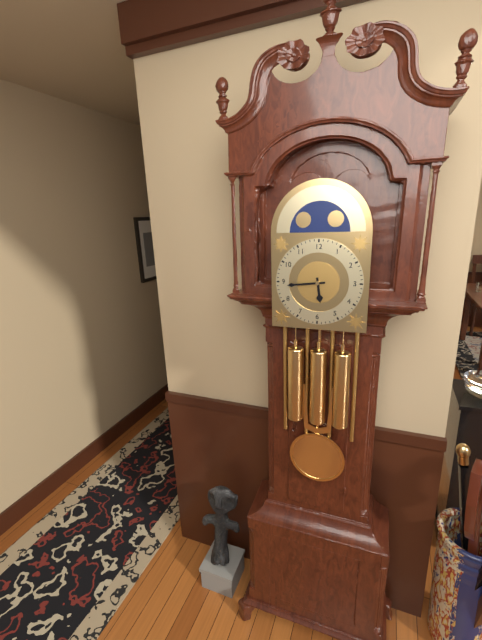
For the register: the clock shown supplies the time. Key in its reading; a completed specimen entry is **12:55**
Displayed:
**5:44**
